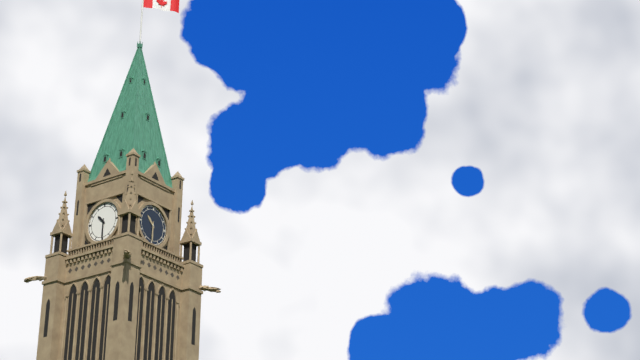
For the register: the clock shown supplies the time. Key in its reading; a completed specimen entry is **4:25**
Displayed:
**10:30**
